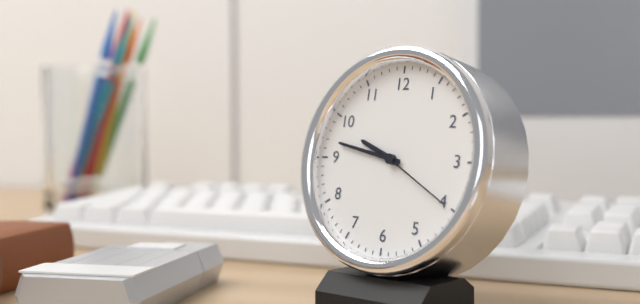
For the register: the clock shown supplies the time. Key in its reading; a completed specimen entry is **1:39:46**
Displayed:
**9:47:20**
